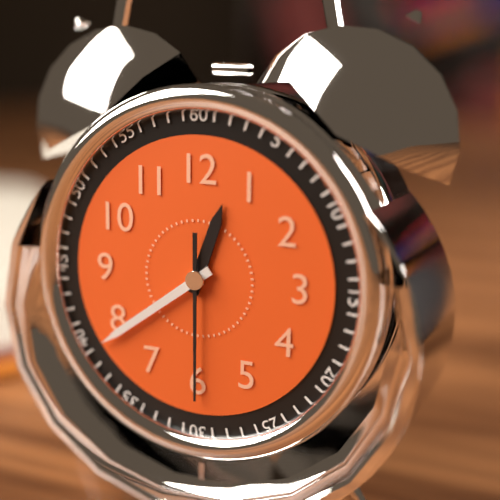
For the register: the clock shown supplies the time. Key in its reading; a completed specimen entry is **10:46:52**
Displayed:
**12:39:30**
